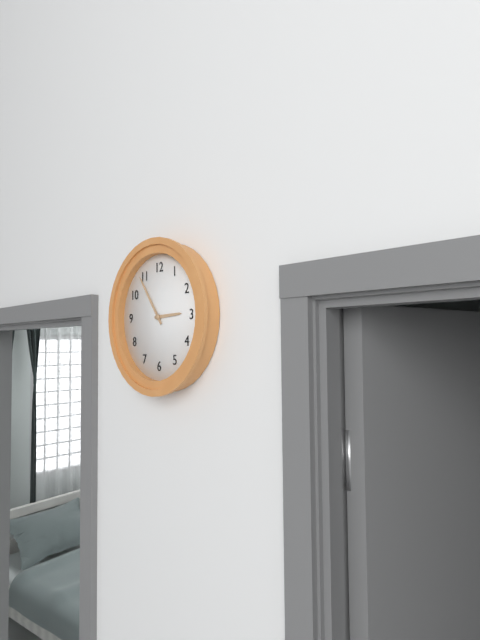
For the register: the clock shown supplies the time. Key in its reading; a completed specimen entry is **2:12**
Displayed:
**2:54**
